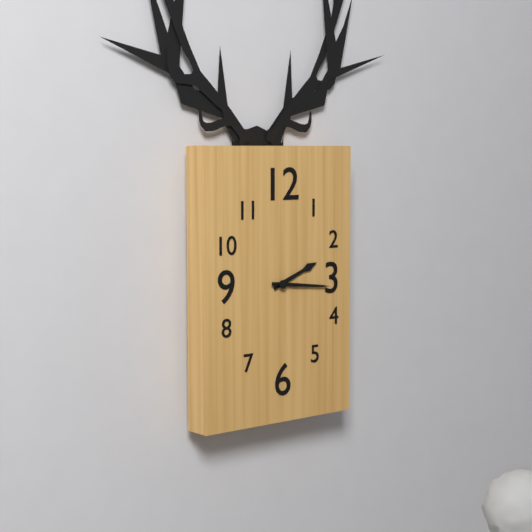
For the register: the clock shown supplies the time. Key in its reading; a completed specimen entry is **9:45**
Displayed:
**2:16**
